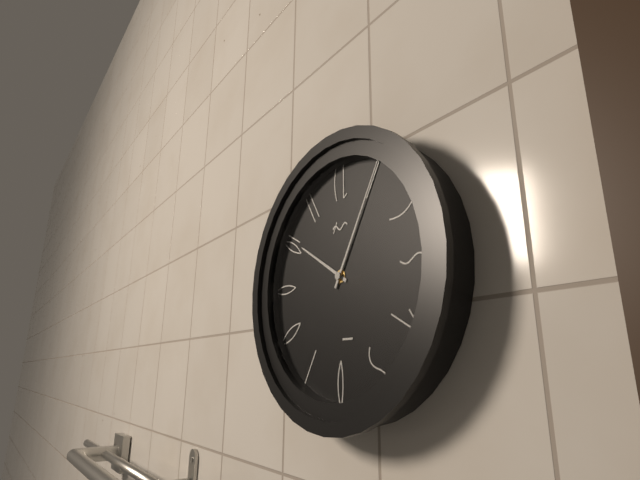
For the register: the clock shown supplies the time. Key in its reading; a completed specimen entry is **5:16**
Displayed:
**10:05**
